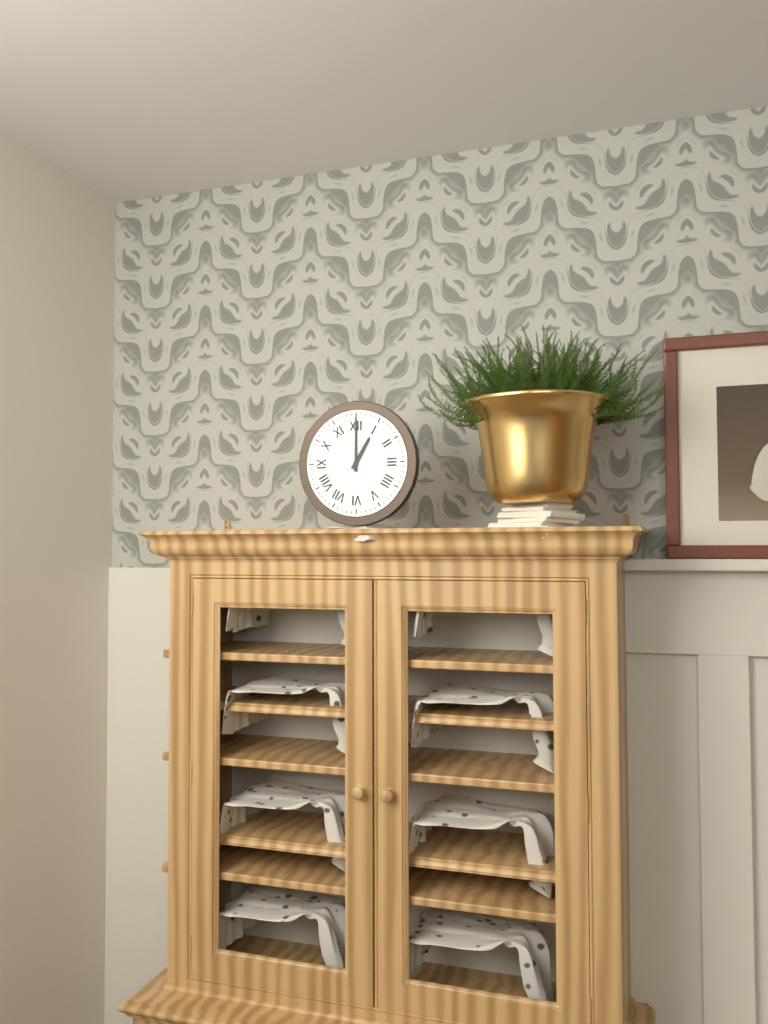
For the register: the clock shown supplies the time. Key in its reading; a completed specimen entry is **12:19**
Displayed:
**1:00**
